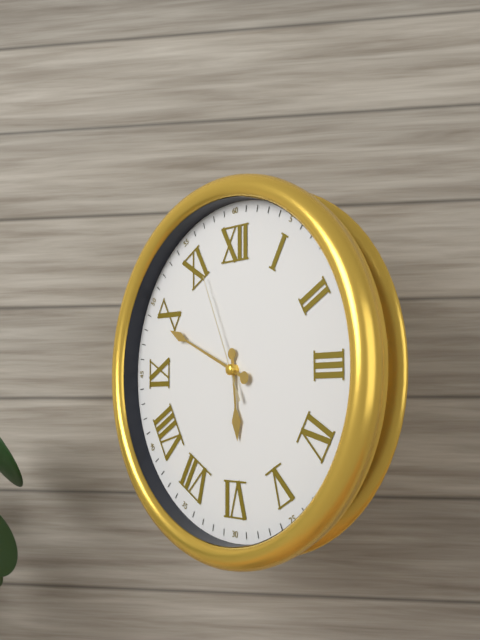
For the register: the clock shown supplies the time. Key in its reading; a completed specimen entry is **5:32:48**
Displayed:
**5:49:56**
